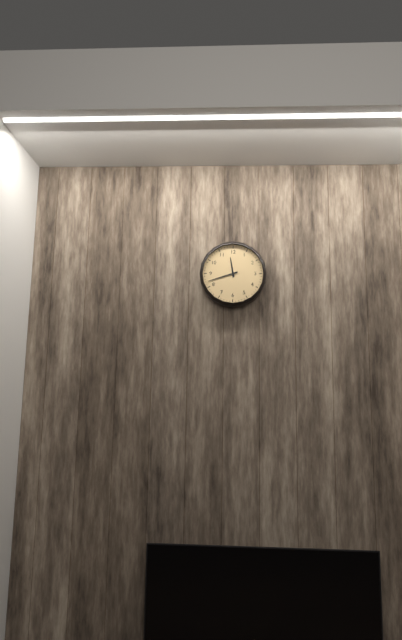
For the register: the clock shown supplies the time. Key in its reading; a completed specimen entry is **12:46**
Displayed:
**11:42**
